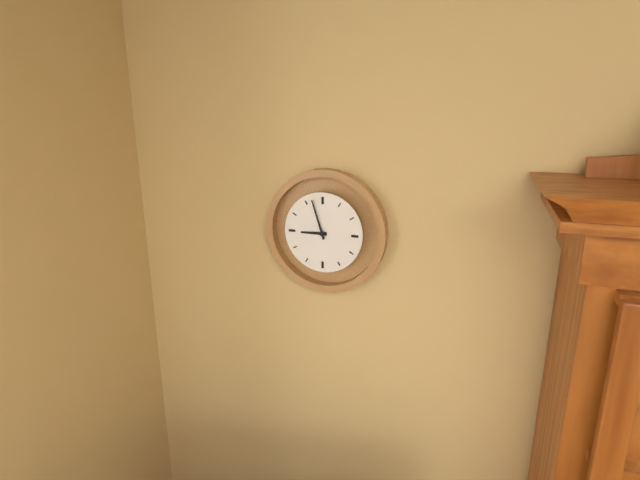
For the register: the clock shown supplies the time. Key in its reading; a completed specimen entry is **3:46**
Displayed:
**8:57**
